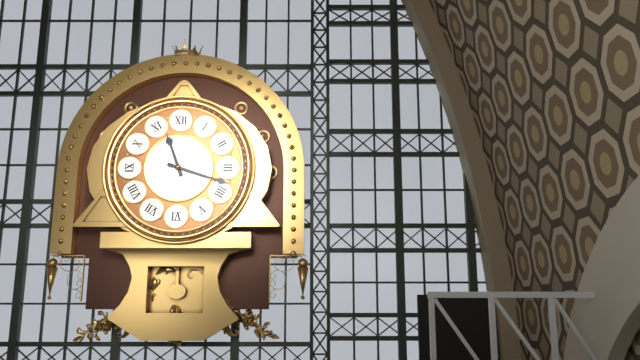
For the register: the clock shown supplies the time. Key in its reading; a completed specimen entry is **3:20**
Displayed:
**11:18**
